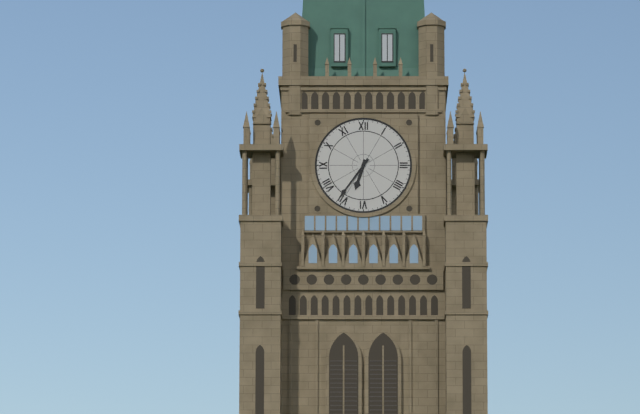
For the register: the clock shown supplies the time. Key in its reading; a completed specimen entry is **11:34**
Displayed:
**6:36**
